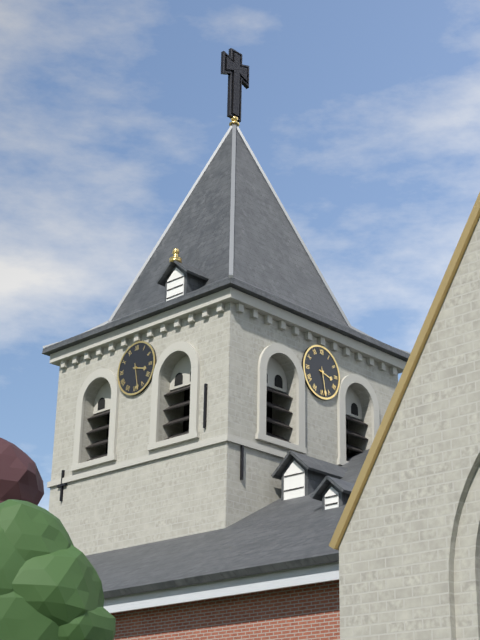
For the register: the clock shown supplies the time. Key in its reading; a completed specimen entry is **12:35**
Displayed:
**3:28**
